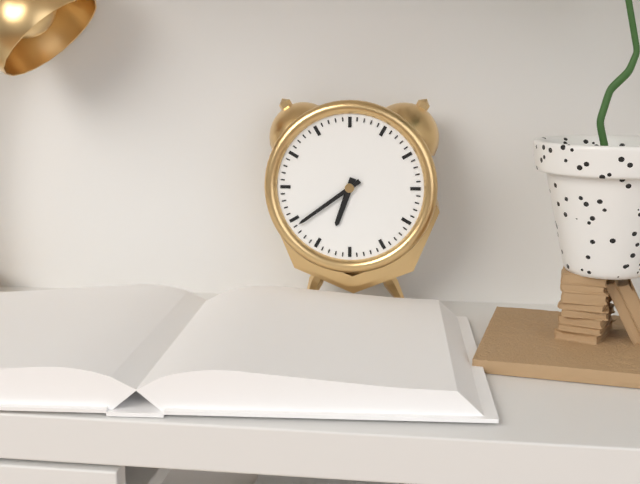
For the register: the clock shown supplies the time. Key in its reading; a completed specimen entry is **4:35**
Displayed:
**6:39**
